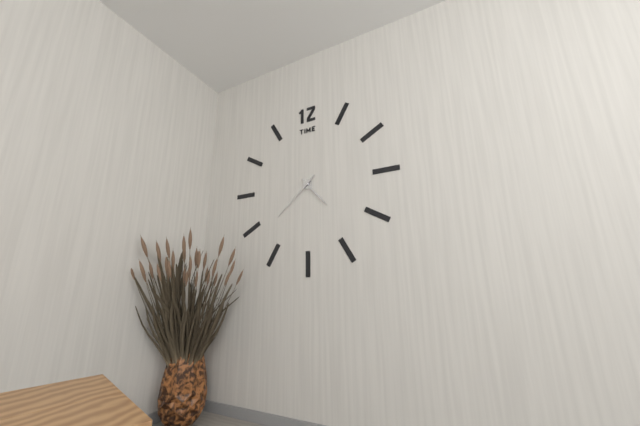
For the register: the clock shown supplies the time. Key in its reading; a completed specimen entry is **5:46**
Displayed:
**4:38**
